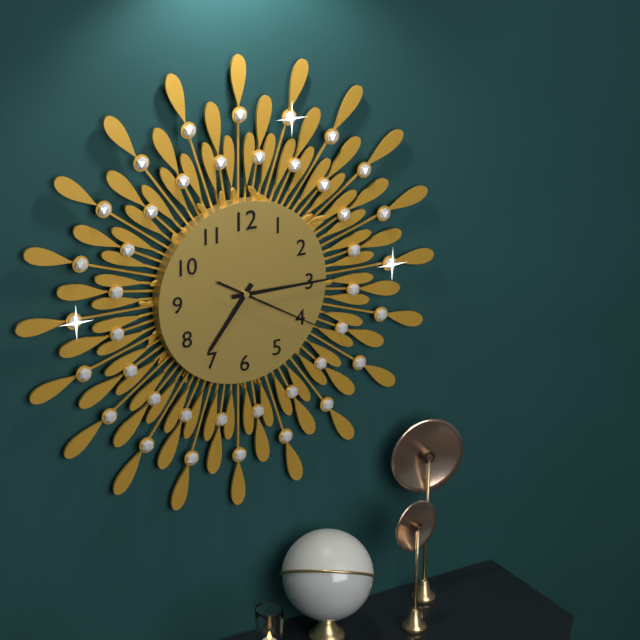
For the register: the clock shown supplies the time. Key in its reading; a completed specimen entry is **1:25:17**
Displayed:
**7:15:20**
